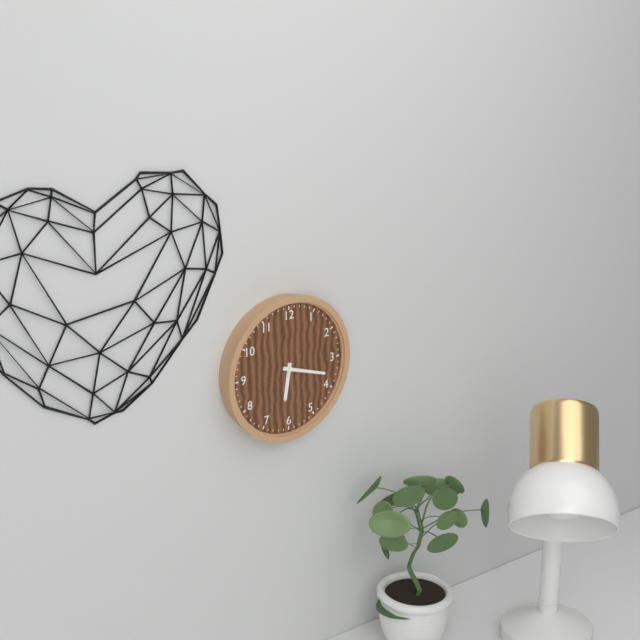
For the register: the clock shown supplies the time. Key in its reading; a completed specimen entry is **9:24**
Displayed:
**6:18**
